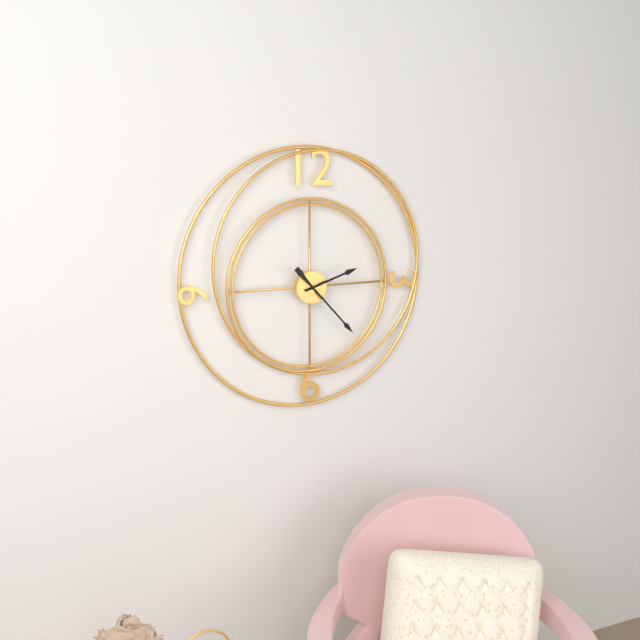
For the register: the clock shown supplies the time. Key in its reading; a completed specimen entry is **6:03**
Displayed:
**2:23**
